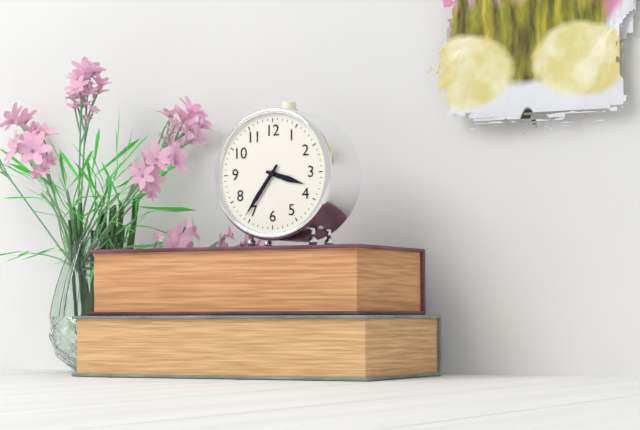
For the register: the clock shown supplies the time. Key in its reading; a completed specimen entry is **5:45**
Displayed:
**3:36**
